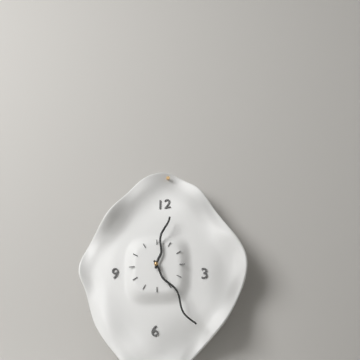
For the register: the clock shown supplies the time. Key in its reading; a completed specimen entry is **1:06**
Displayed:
**12:25**
